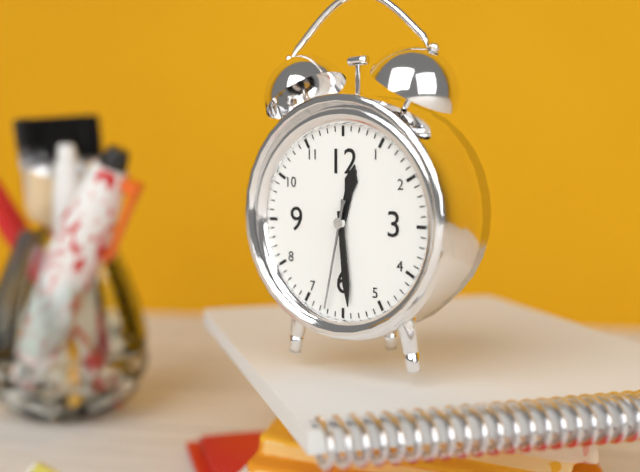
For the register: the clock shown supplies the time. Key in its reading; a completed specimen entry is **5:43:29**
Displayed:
**12:29:32**
